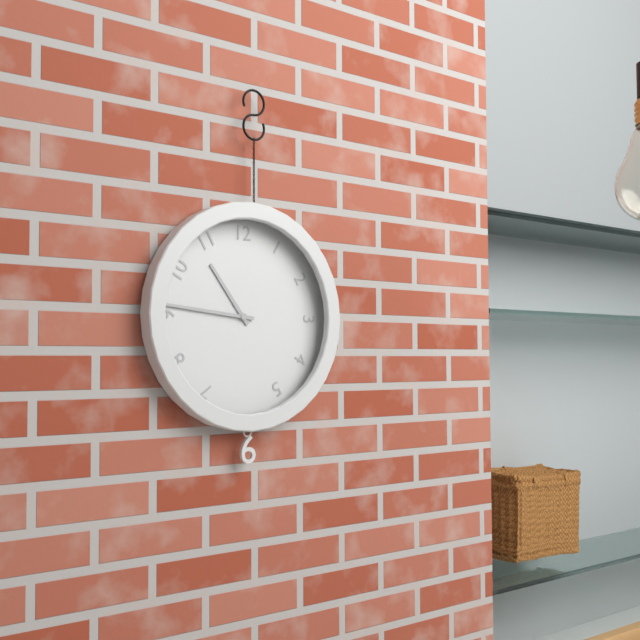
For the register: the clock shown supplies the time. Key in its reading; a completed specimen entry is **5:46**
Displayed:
**10:46**
